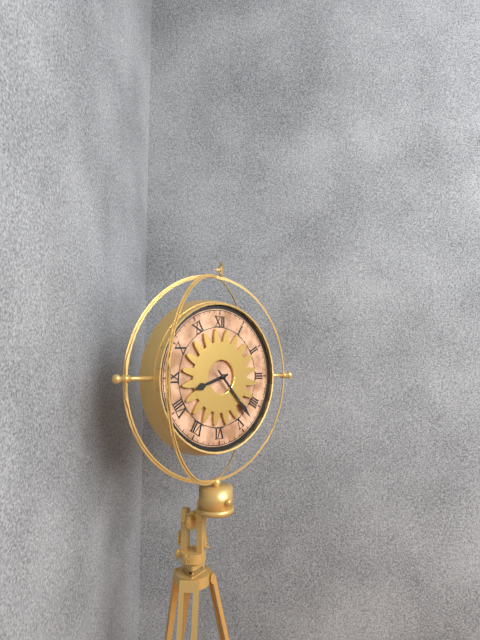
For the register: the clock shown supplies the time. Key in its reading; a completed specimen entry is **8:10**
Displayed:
**8:23**
